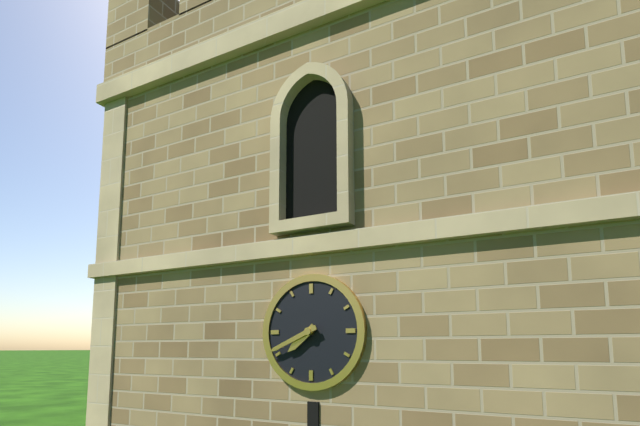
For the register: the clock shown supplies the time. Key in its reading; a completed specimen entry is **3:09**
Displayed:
**7:41**
